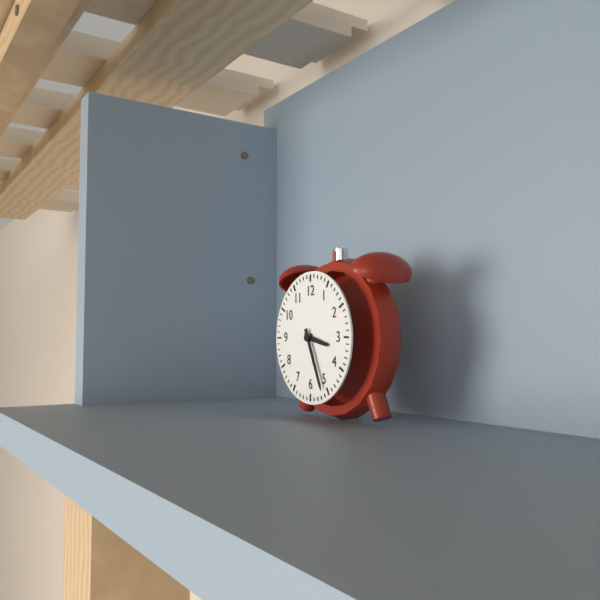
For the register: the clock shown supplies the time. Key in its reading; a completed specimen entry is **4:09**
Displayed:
**3:26**
